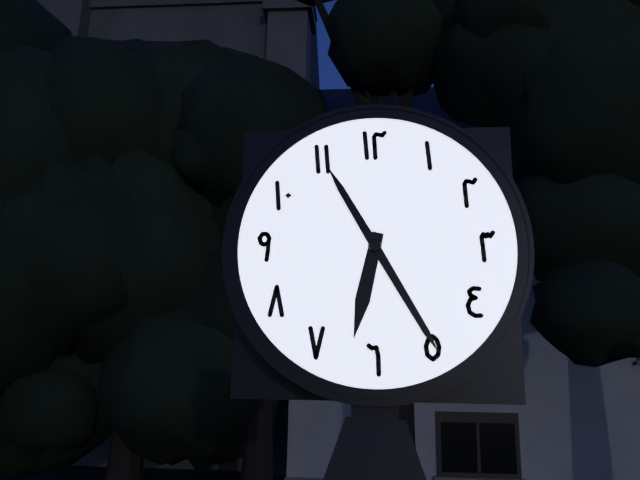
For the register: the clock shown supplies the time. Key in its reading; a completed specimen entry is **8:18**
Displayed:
**6:25**
